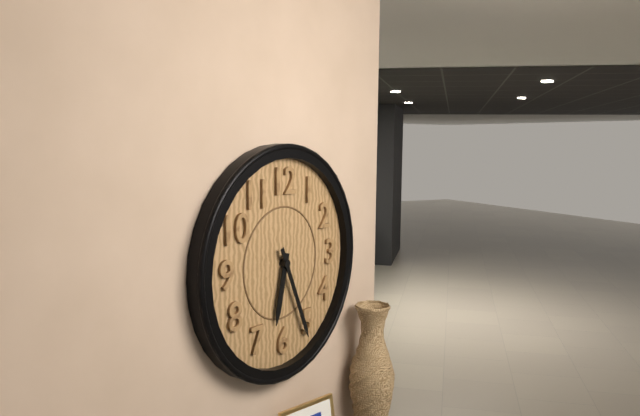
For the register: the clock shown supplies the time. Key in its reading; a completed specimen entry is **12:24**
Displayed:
**6:26**
